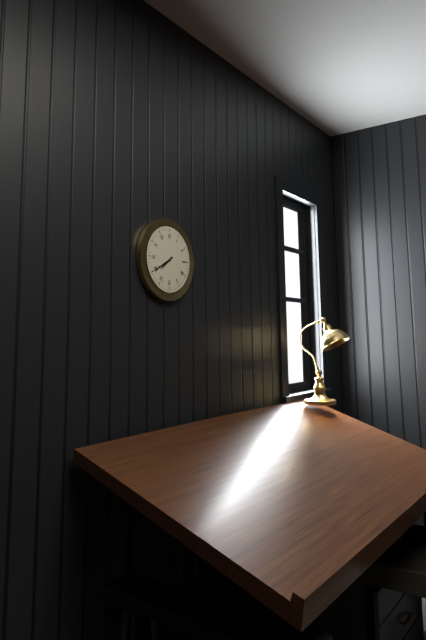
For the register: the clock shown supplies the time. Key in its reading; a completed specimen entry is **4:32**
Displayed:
**7:40**
